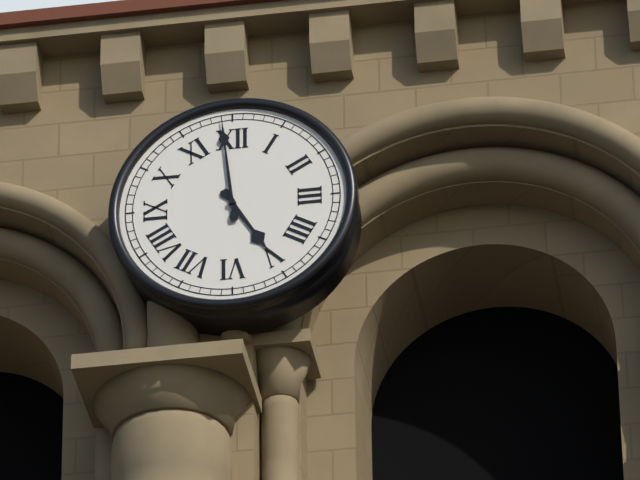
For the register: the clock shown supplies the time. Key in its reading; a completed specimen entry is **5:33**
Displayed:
**4:59**
